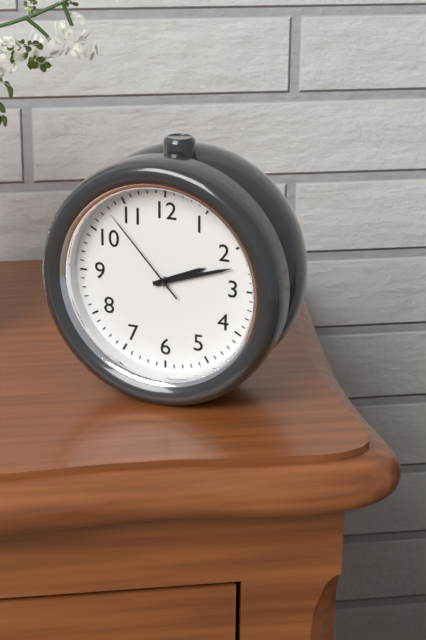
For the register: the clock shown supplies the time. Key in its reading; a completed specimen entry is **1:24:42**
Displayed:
**2:12:53**
